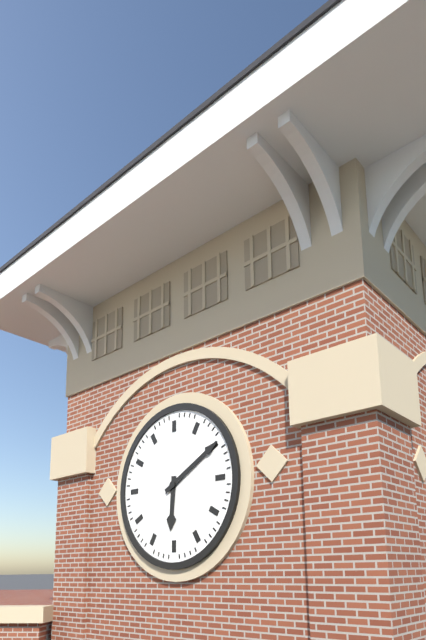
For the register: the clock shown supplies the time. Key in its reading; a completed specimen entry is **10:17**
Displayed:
**6:10**
